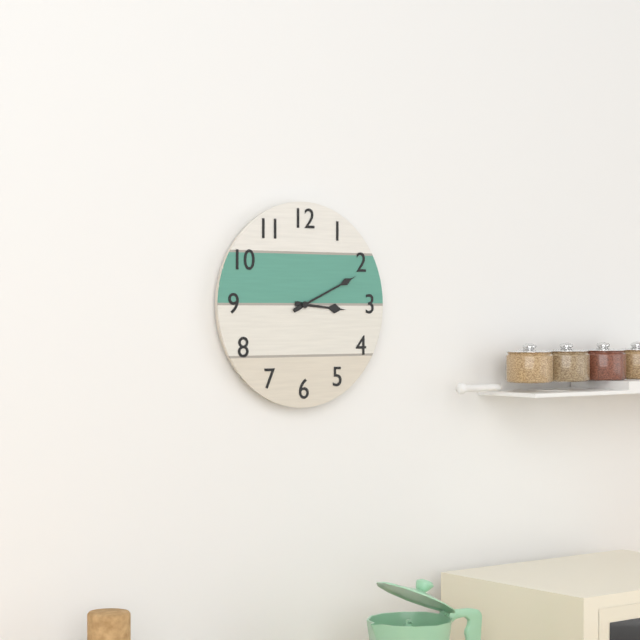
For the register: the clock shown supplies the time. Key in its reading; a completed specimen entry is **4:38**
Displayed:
**3:11**
